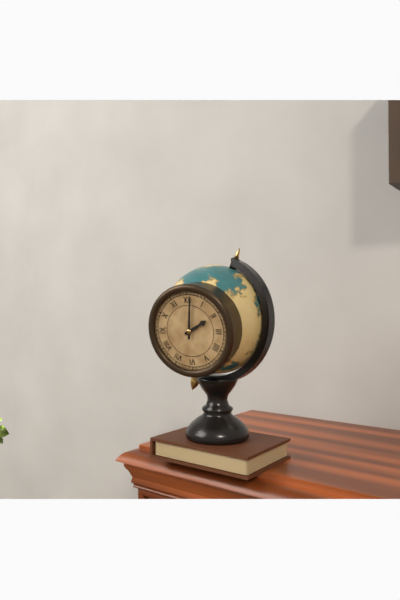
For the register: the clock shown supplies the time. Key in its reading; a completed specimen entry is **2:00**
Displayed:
**2:01**
